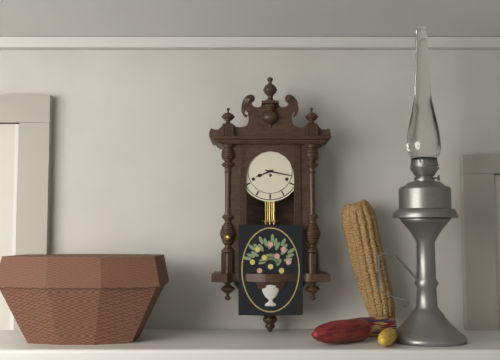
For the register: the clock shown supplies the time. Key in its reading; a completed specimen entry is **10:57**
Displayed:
**8:17**
